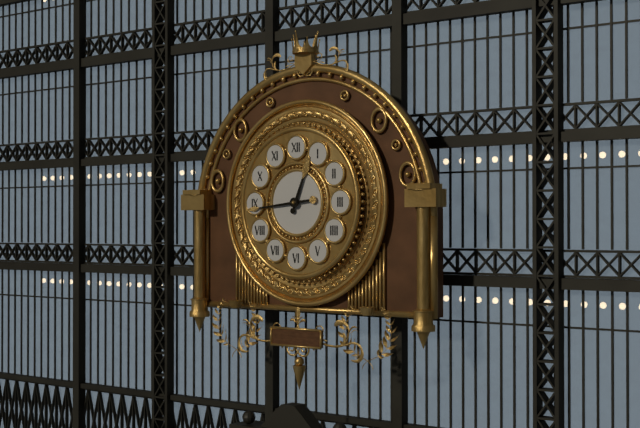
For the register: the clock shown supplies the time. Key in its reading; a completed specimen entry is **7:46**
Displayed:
**12:44**
